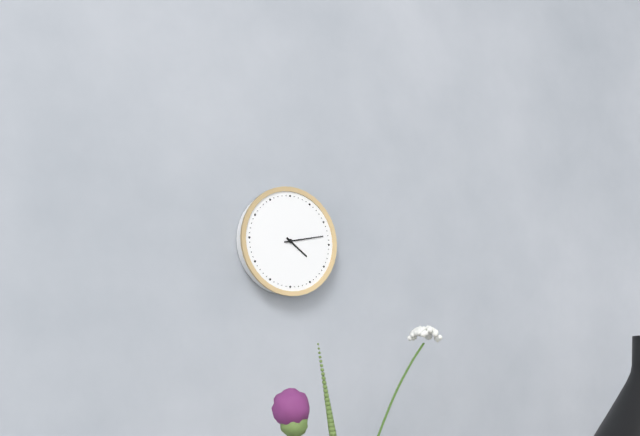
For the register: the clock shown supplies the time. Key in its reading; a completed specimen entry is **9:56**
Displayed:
**4:13**
